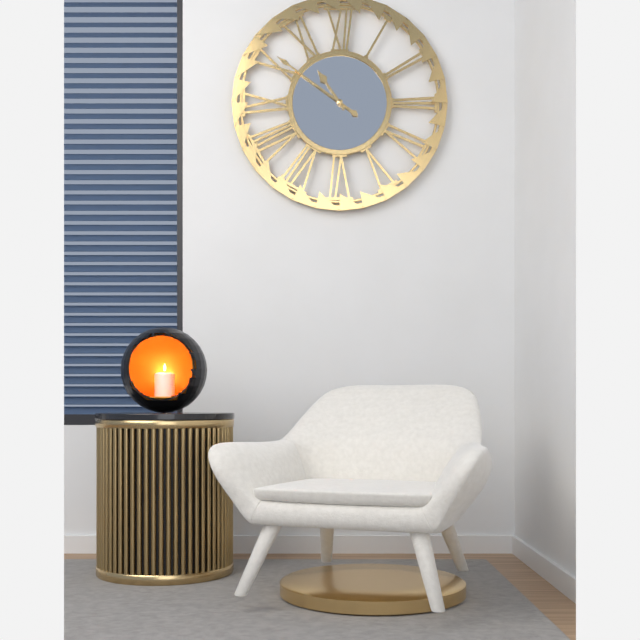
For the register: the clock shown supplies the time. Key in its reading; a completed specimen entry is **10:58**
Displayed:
**10:51**
